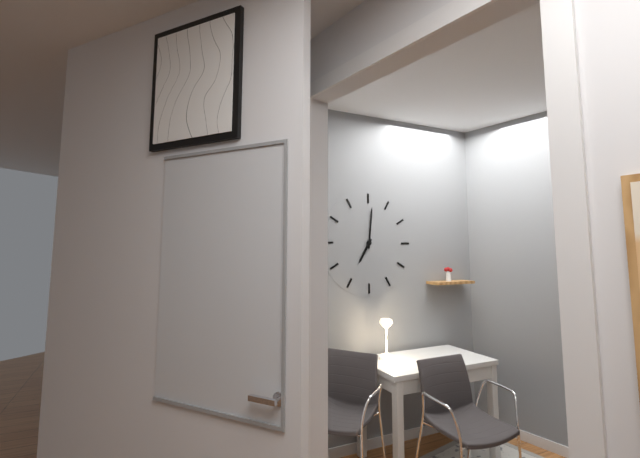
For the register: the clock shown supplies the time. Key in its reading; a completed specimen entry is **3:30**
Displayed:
**7:01**
